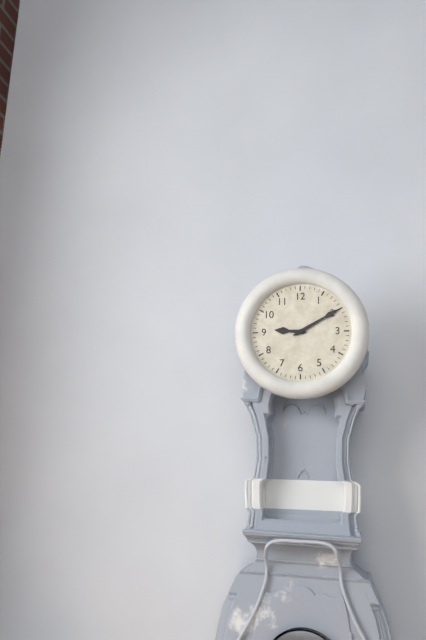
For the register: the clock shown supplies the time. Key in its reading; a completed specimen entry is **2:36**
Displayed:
**9:10**
